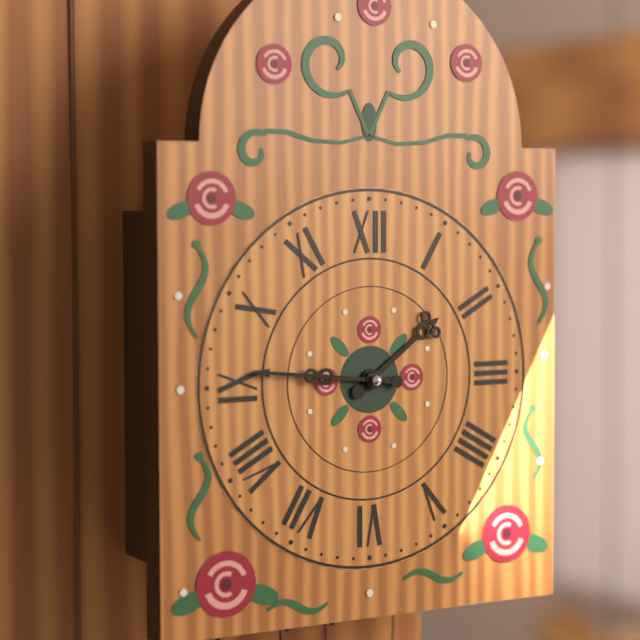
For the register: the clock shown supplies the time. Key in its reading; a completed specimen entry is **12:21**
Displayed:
**1:46**
